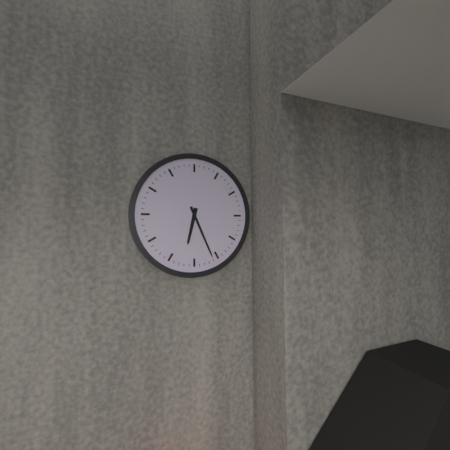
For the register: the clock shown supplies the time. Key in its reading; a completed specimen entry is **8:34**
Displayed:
**6:26**
